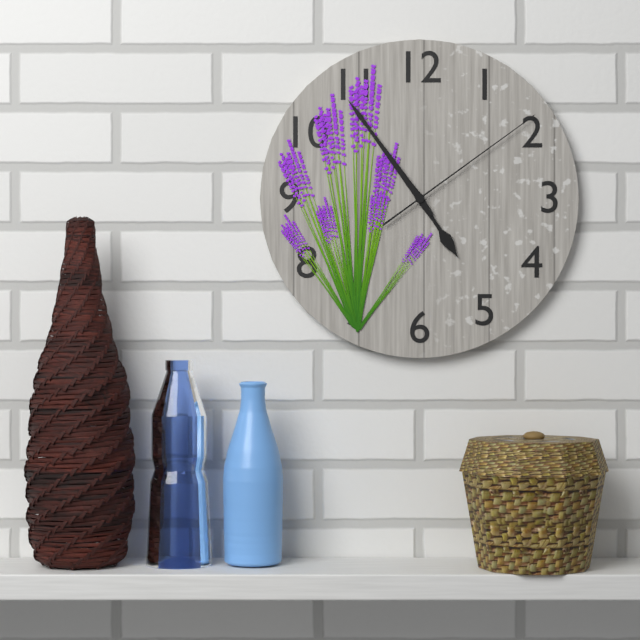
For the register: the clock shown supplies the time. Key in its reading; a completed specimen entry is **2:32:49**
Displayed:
**4:54:09**
